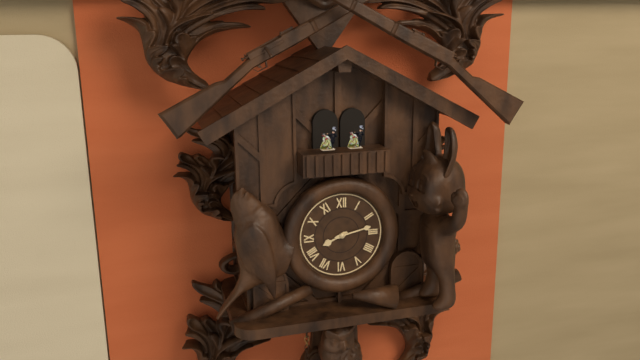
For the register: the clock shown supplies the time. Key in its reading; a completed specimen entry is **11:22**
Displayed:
**8:13**
